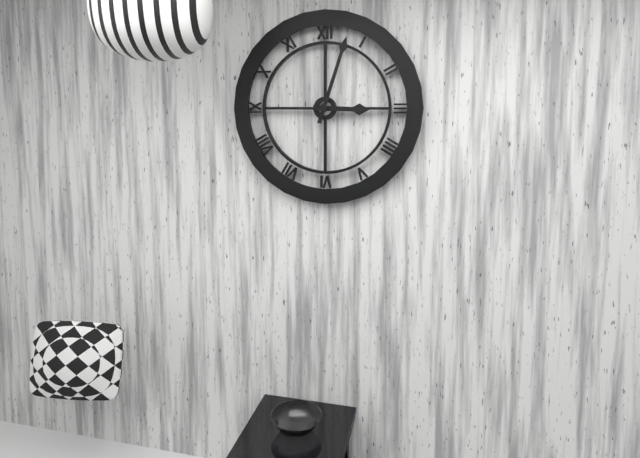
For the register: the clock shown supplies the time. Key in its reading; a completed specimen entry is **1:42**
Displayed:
**3:03**
